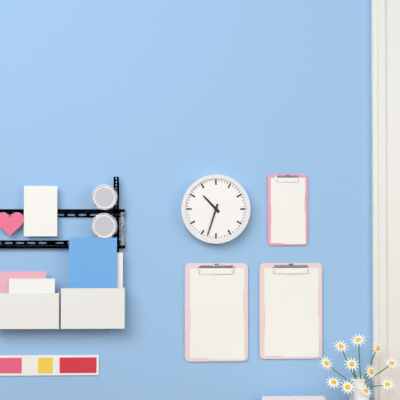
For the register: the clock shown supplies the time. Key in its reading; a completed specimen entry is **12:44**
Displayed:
**10:33**
